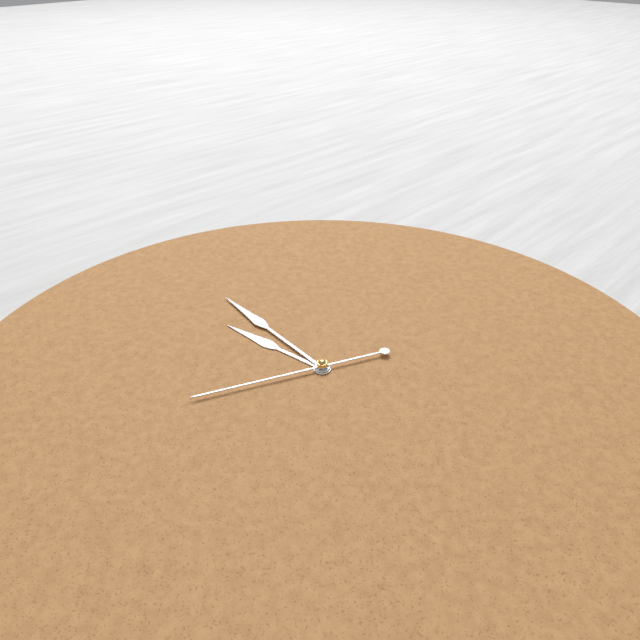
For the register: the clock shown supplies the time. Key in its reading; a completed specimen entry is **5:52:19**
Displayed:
**8:46:34**
